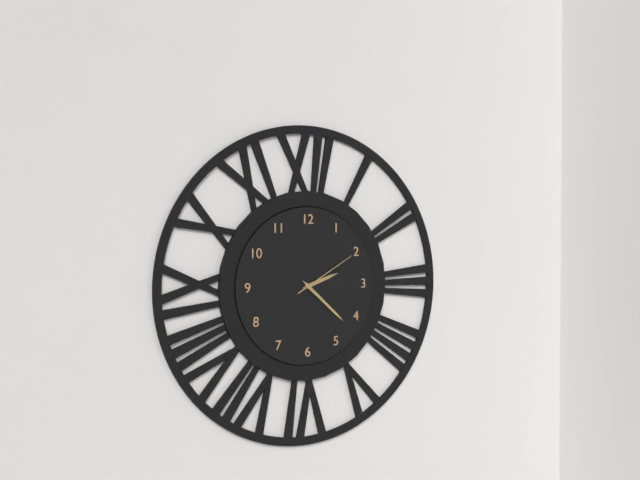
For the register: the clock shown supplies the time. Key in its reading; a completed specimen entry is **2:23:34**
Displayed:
**2:22:10**
